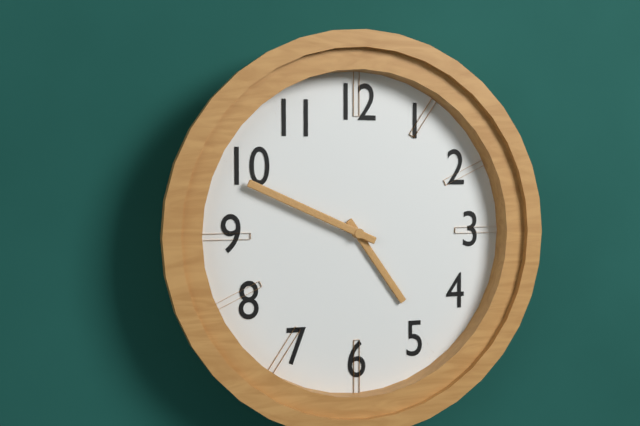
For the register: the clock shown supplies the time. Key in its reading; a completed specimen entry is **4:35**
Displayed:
**4:49**
